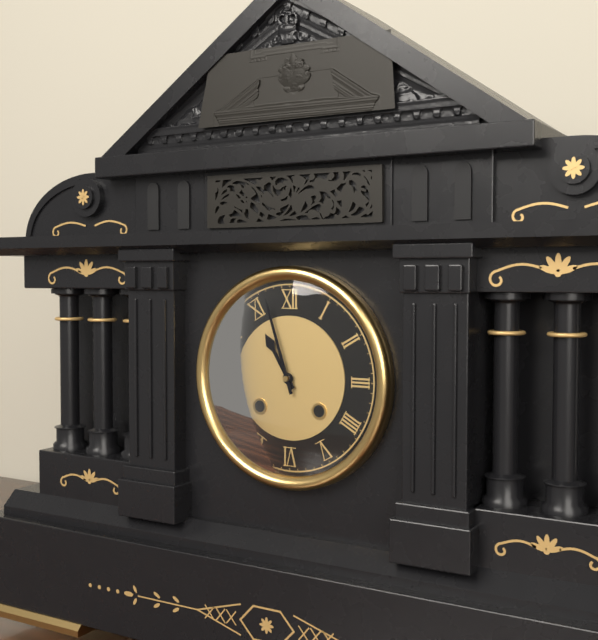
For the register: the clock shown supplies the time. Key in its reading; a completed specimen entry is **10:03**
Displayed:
**10:57**
